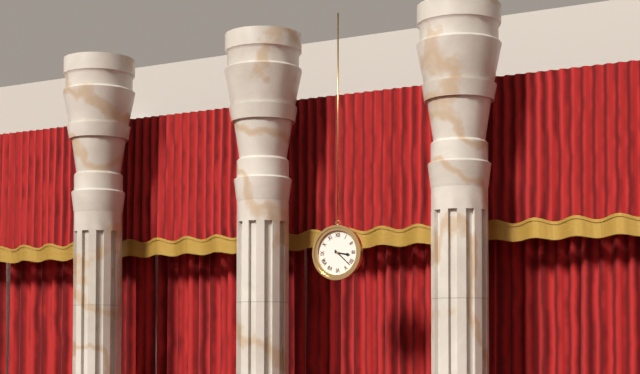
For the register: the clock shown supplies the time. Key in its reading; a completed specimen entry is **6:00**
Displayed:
**3:22**
